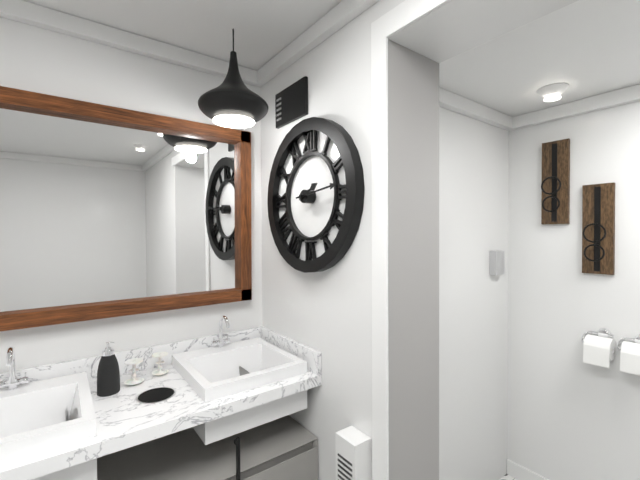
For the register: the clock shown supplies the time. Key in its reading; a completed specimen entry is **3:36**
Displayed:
**2:14**
